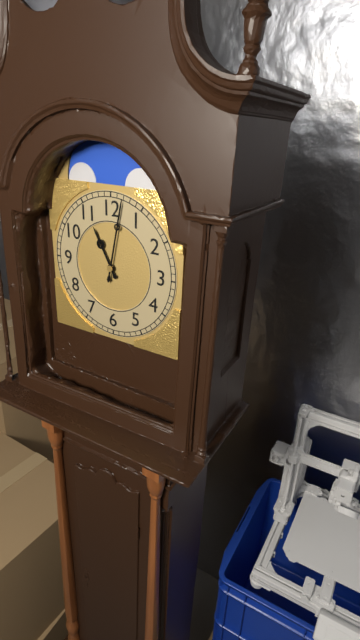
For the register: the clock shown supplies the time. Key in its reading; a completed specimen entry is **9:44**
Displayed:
**11:02**
